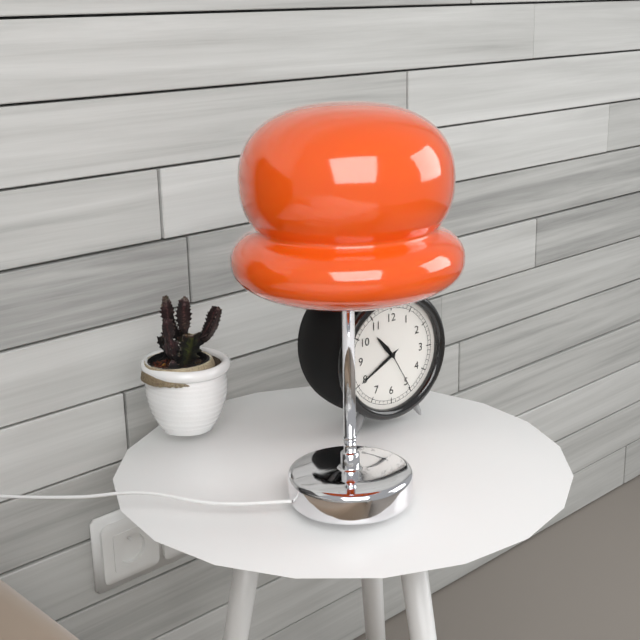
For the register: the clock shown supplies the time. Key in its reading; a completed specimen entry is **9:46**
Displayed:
**10:40**
